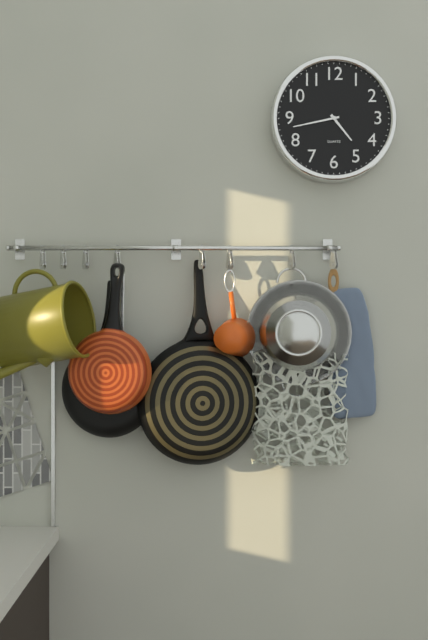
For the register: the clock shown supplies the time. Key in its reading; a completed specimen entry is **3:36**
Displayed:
**4:43**
